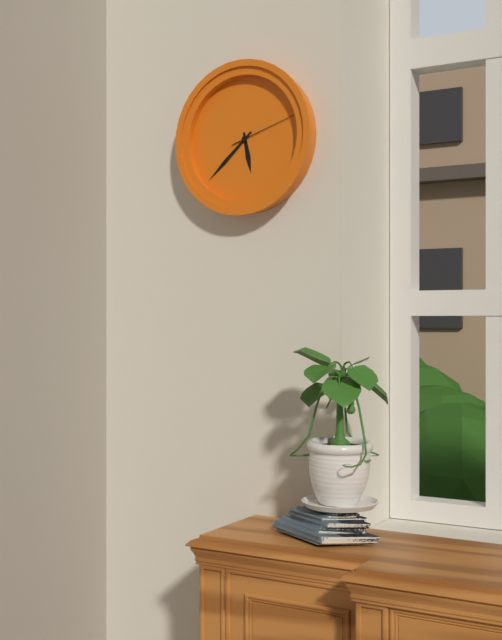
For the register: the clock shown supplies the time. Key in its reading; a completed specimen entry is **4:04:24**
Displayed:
**5:38:12**
